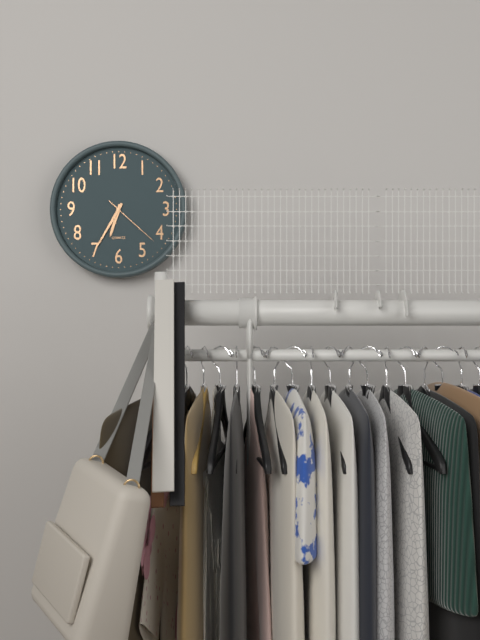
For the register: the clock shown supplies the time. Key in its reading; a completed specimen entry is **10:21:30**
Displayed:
**6:35:22**
